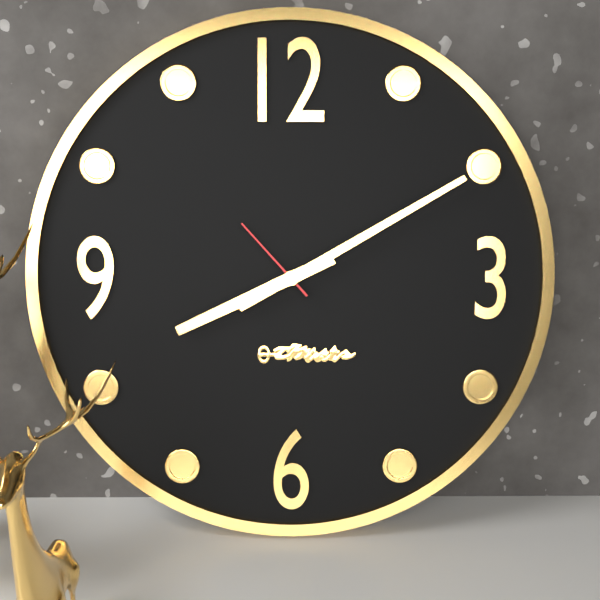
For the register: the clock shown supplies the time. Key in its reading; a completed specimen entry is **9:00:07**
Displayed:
**8:10:53**
